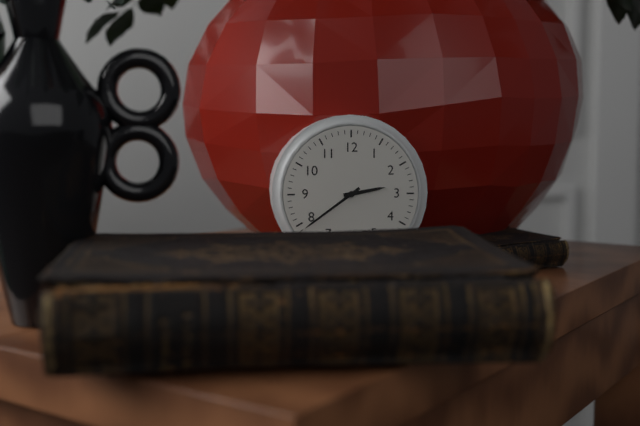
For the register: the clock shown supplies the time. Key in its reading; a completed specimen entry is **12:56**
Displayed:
**2:39**
